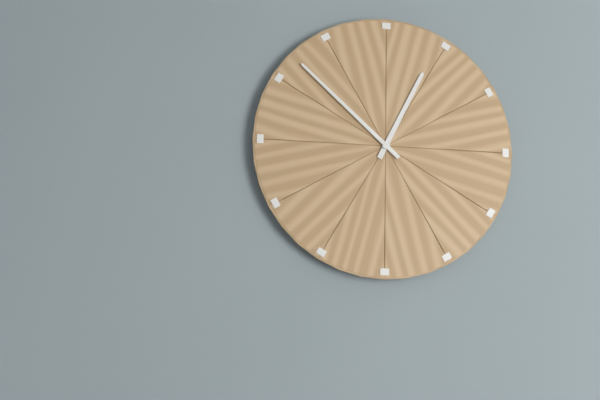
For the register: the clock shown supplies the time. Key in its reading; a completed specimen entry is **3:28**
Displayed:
**12:52**
